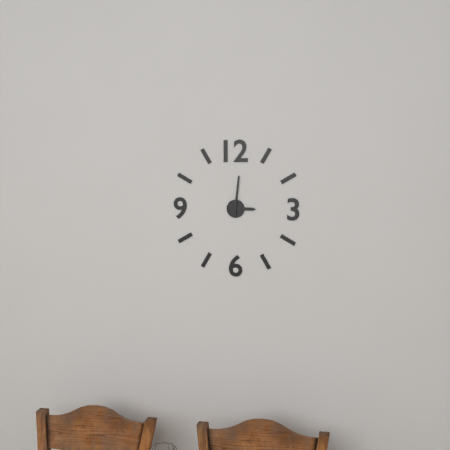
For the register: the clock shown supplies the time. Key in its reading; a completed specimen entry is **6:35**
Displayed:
**3:01**
